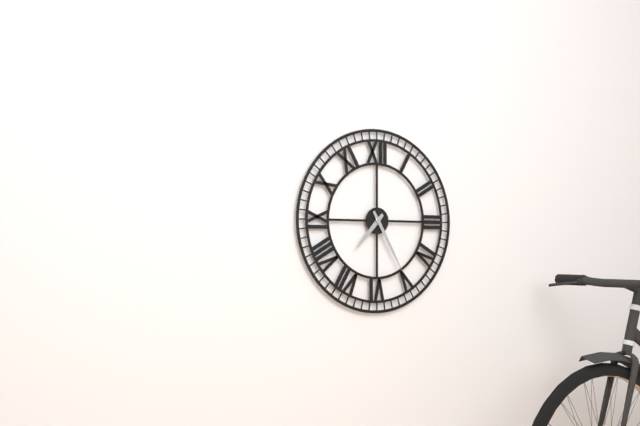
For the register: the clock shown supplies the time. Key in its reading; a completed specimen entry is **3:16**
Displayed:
**7:25**
